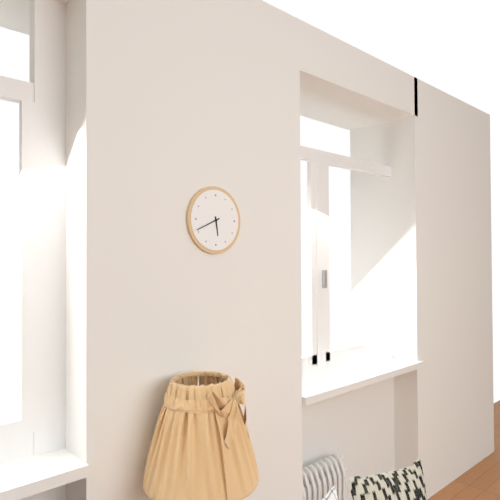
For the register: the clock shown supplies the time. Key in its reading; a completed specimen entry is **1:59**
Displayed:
**5:41**
